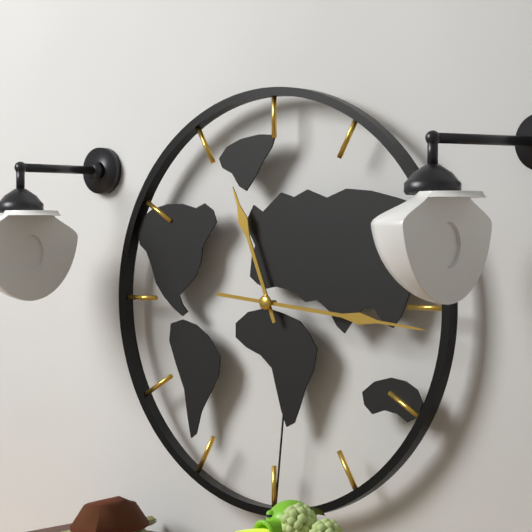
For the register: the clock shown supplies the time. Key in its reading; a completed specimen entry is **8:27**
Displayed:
**11:16**
